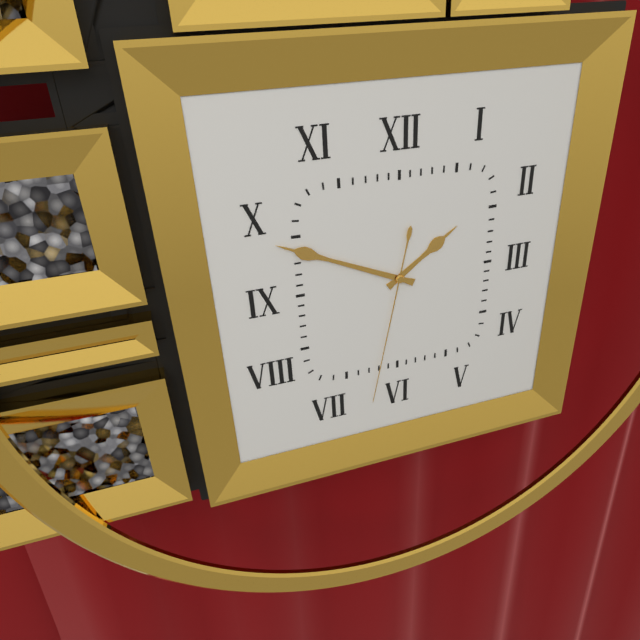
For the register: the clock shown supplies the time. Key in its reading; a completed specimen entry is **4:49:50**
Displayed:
**1:49:32**
